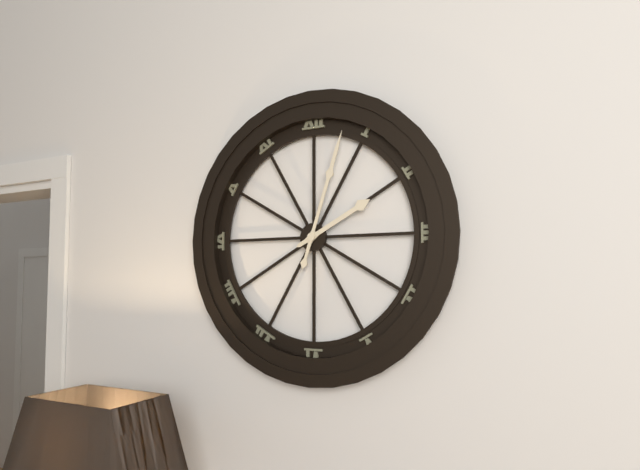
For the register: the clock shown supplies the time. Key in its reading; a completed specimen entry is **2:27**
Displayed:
**2:03**
